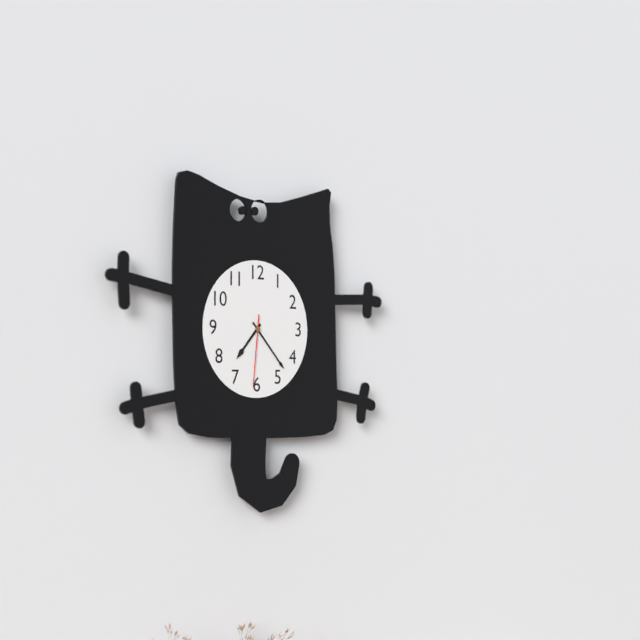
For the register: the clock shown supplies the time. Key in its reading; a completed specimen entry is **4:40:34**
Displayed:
**7:23:31**
